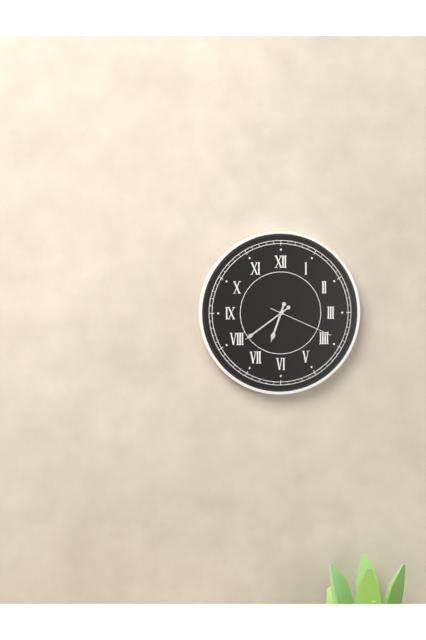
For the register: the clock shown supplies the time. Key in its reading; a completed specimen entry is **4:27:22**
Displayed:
**6:39:19**
